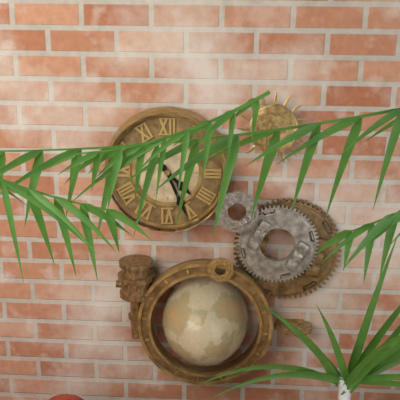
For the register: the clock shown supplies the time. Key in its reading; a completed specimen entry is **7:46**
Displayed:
**4:26**
